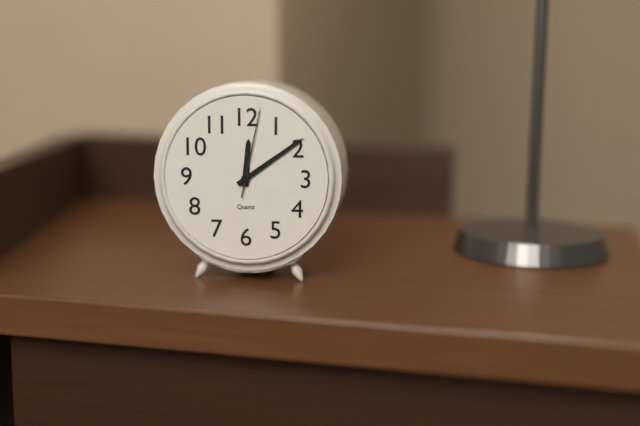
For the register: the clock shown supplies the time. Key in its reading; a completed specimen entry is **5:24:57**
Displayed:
**12:09:02**
